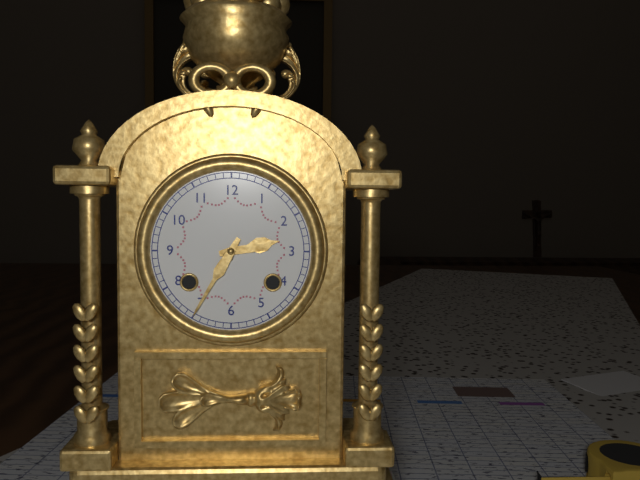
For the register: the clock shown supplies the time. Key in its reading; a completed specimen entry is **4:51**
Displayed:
**2:35**
